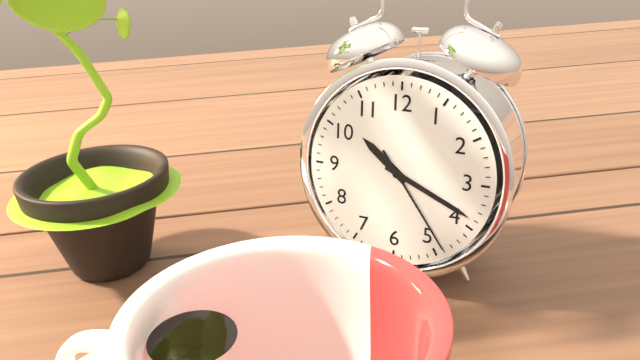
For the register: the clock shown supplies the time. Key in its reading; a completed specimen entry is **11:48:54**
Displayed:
**10:19:24**
